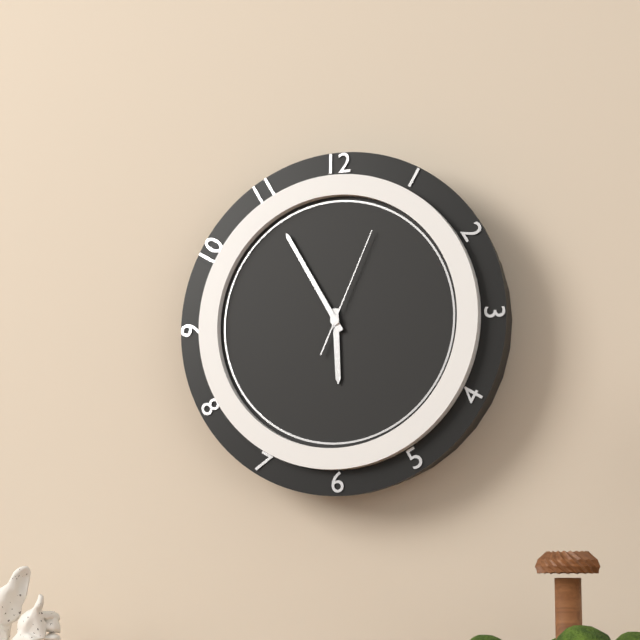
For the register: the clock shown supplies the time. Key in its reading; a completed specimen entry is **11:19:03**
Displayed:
**5:55:04**
